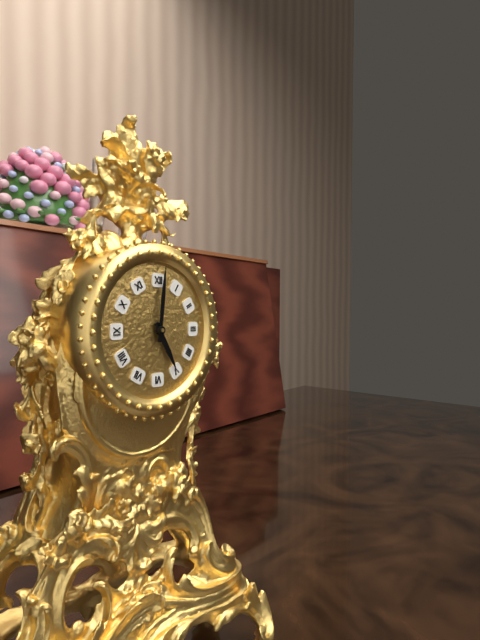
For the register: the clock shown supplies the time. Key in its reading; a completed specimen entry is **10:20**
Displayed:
**5:01**
